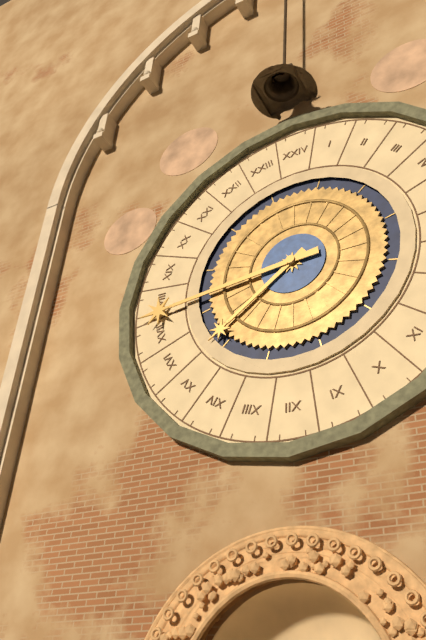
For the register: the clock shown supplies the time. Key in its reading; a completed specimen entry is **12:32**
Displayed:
**7:44**
